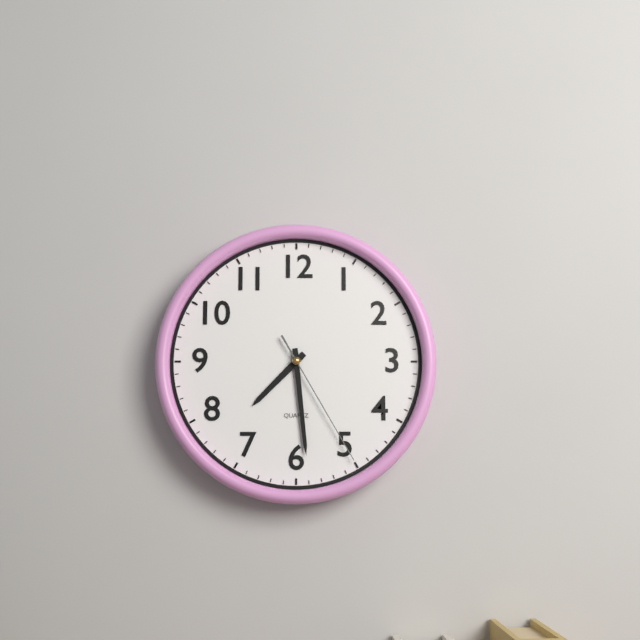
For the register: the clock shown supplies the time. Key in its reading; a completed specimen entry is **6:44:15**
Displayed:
**7:29:25**
